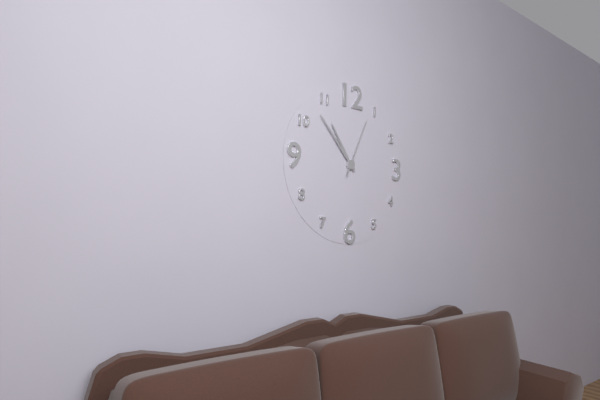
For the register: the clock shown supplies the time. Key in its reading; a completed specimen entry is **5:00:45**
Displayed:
**10:53:04**
